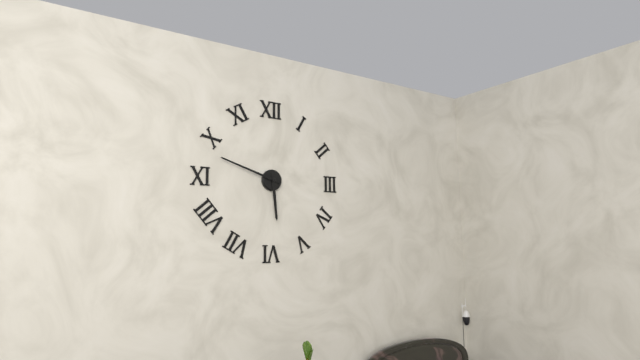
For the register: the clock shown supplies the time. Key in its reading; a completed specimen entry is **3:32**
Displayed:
**5:48**
